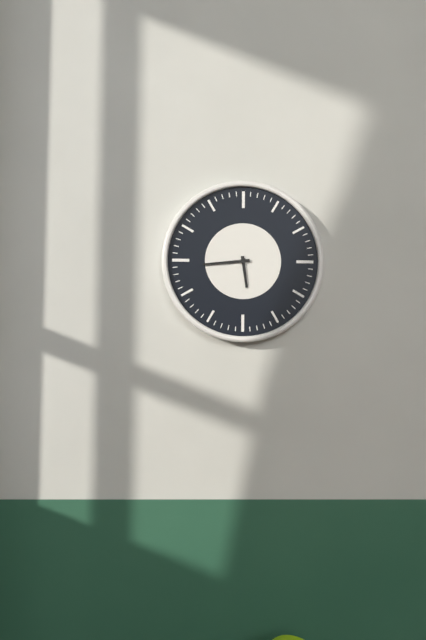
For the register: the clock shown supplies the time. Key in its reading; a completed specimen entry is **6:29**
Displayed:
**5:44**
